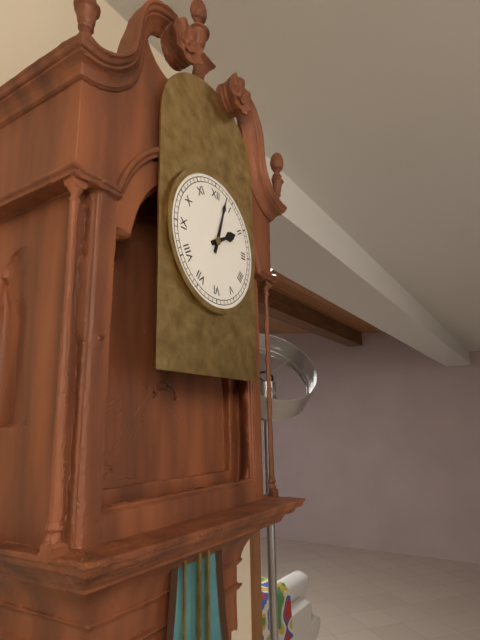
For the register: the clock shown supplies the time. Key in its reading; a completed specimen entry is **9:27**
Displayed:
**2:03**
